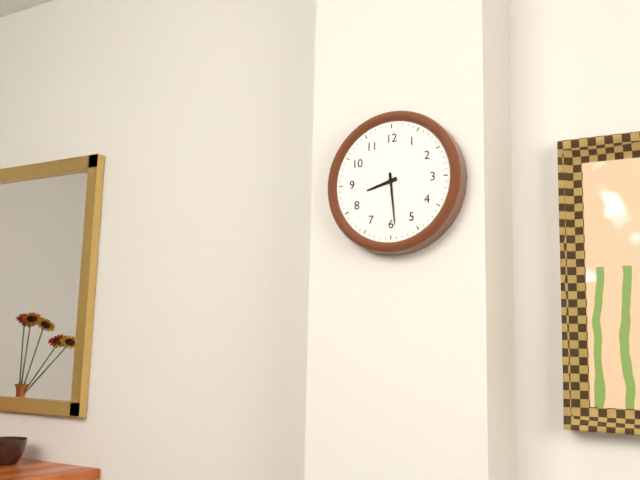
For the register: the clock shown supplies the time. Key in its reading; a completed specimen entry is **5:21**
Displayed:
**8:29**
